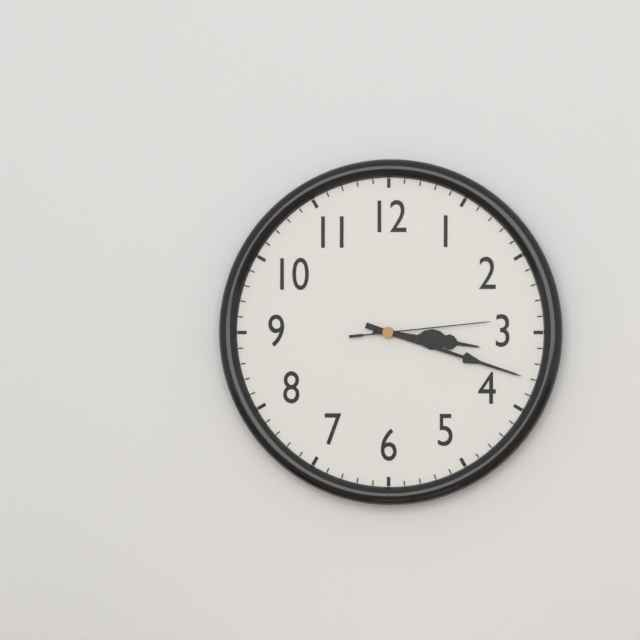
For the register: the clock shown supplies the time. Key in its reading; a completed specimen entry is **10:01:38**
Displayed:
**3:18:14**
